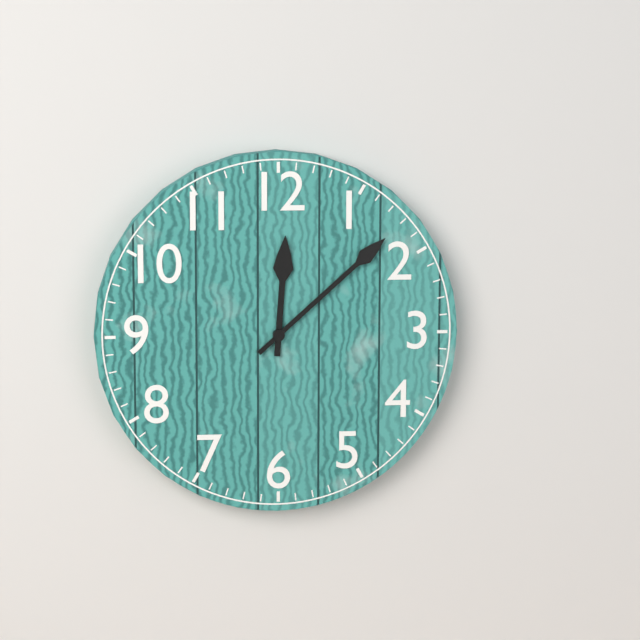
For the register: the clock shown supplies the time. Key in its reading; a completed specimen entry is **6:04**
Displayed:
**12:08**
